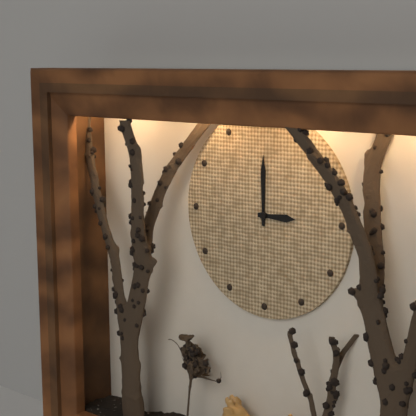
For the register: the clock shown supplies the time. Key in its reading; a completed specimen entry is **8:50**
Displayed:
**3:00**
